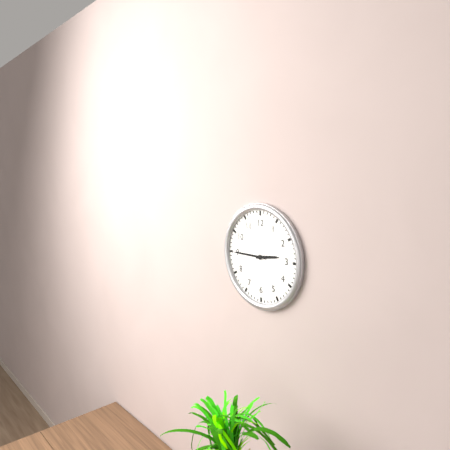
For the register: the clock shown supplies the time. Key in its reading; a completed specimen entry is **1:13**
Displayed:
**2:45**
